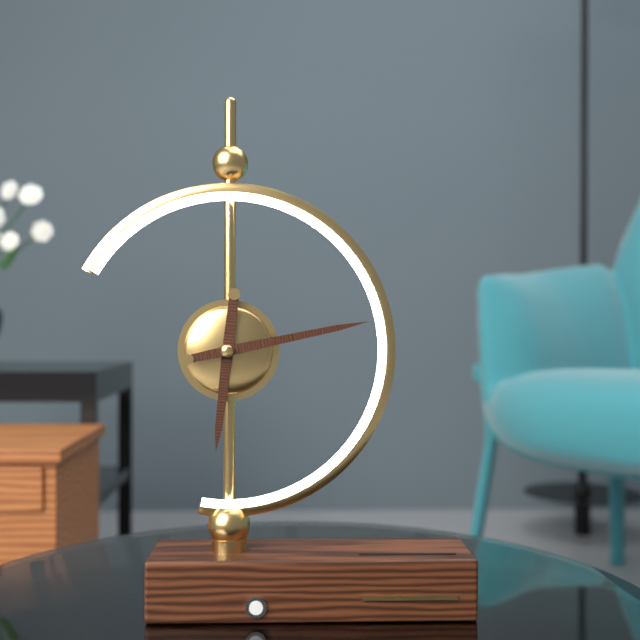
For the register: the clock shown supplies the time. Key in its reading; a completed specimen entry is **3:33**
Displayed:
**6:13**
